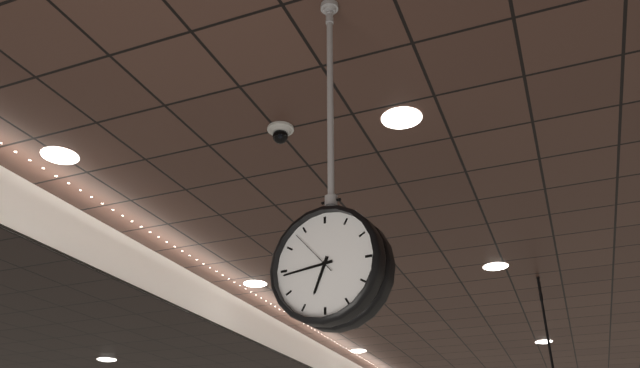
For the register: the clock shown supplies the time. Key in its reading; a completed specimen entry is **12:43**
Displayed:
**6:44**
